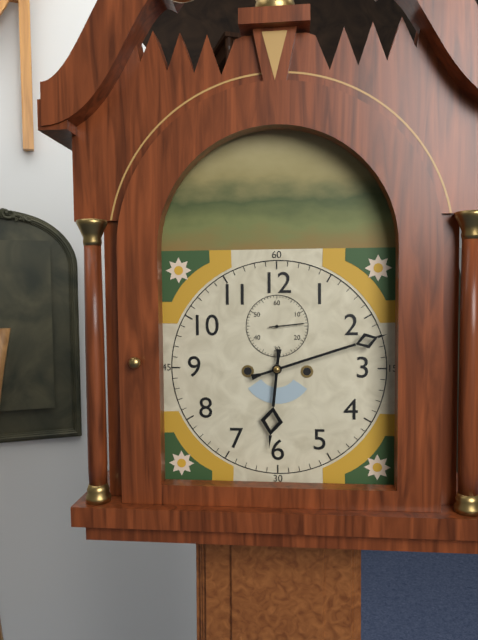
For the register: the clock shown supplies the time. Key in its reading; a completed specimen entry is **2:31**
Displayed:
**6:12**
